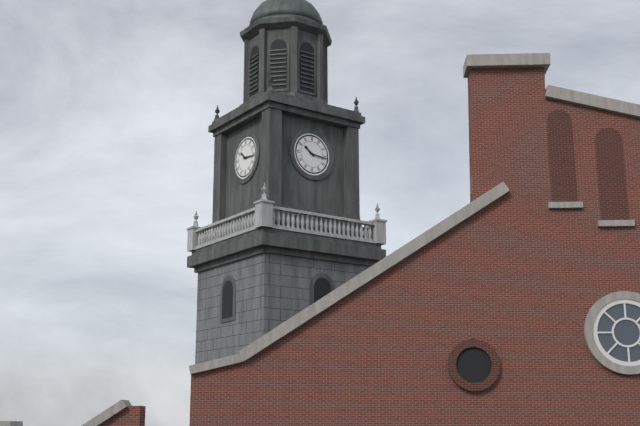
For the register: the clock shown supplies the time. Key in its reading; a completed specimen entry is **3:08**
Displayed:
**10:16**
